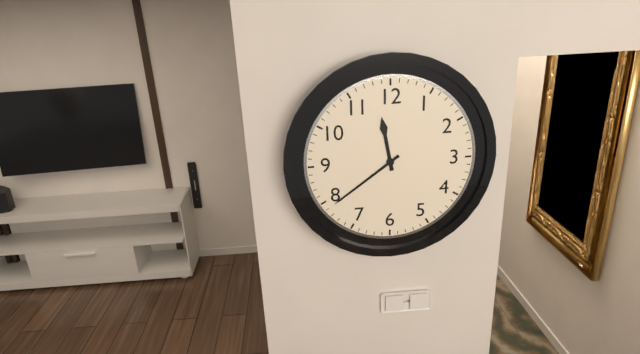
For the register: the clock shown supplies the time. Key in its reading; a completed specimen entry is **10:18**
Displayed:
**11:39**
